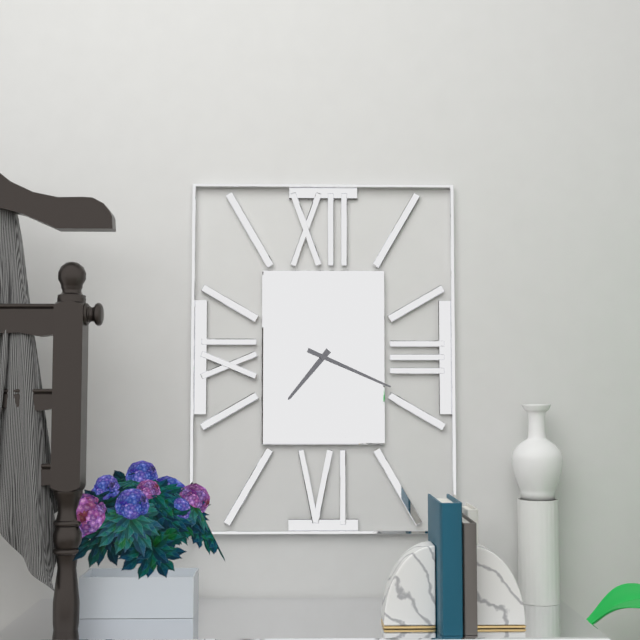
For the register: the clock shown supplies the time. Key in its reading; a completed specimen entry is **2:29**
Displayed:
**7:19**
